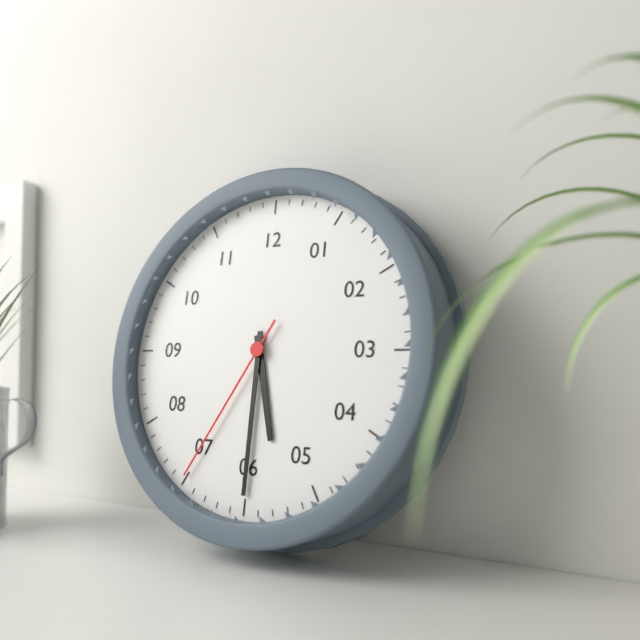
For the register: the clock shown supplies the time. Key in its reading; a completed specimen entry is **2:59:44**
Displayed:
**5:30:35**
